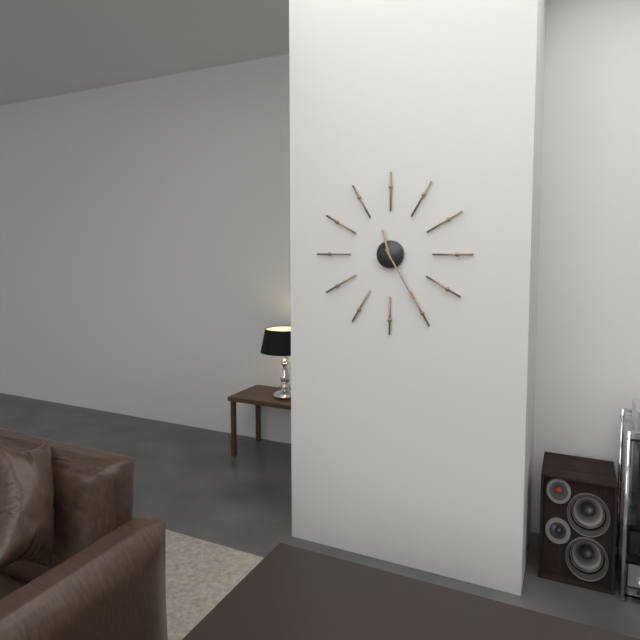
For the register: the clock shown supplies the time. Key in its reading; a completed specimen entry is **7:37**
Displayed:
**11:25**
